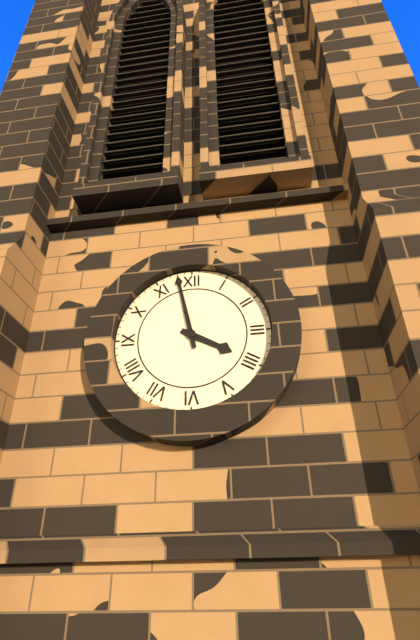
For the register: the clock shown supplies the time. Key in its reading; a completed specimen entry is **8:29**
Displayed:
**3:58**
